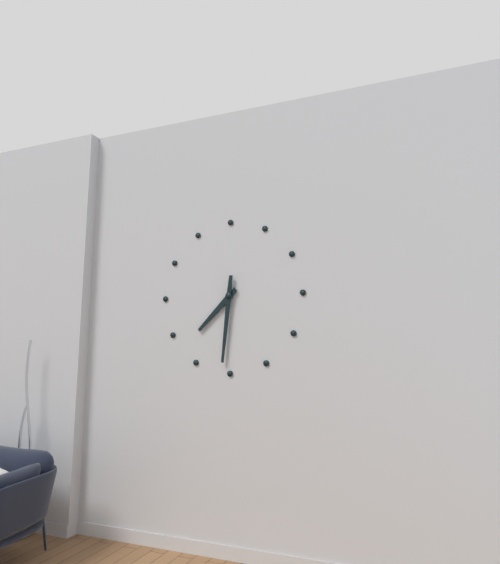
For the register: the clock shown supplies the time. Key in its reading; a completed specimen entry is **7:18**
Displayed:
**7:31**
